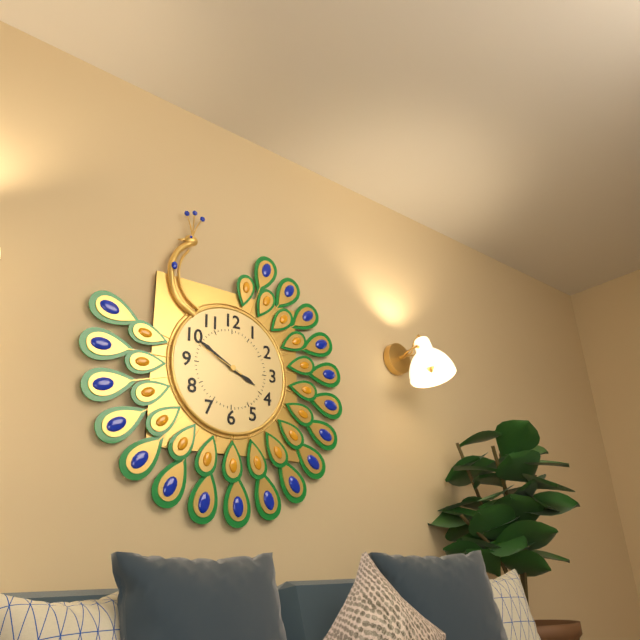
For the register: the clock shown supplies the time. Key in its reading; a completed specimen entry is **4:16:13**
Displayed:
**3:50:49**
